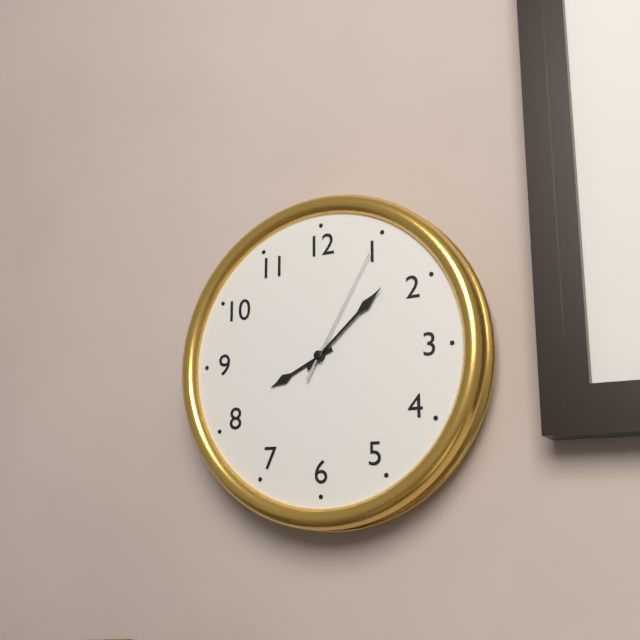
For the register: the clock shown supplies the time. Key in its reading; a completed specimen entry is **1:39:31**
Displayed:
**8:08:05**
